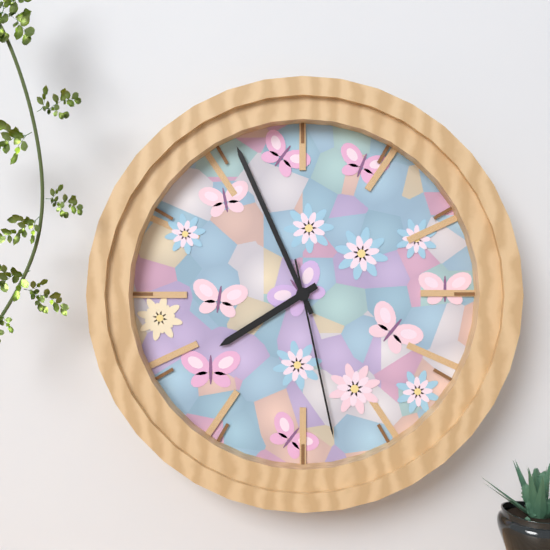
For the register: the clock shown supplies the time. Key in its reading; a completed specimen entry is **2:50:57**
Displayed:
**7:56:28**
